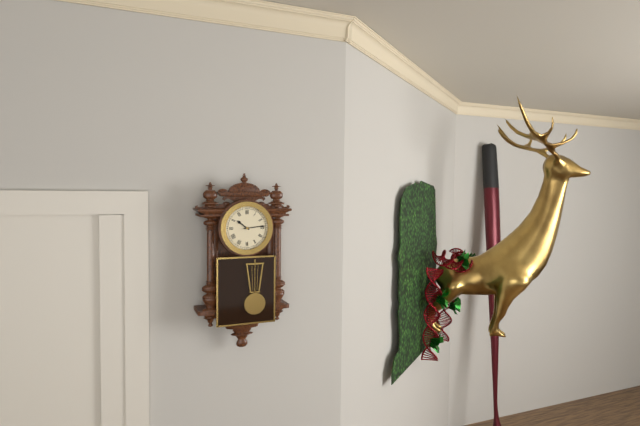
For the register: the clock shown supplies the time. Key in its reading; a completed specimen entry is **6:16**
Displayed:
**10:14**
